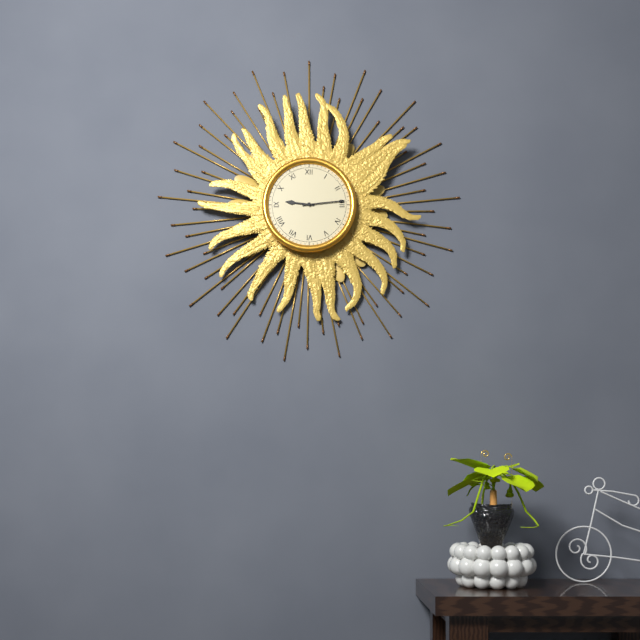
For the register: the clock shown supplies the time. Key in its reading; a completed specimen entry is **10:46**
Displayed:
**9:14**
